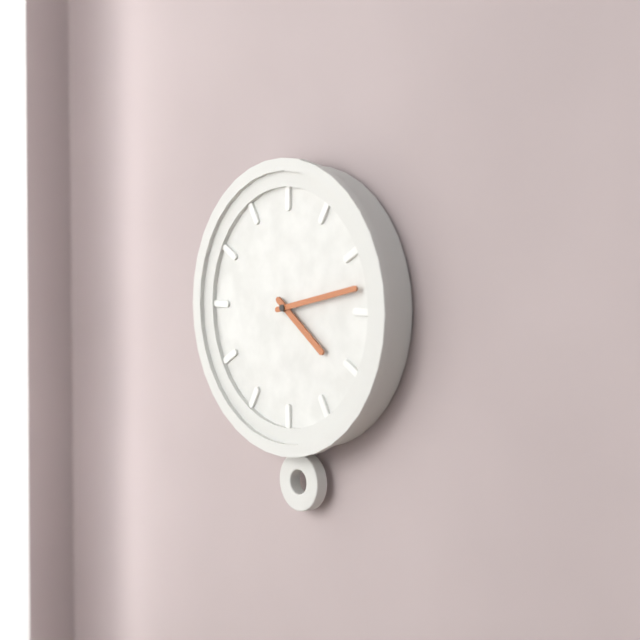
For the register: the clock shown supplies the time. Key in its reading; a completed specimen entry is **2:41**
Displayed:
**4:13**
